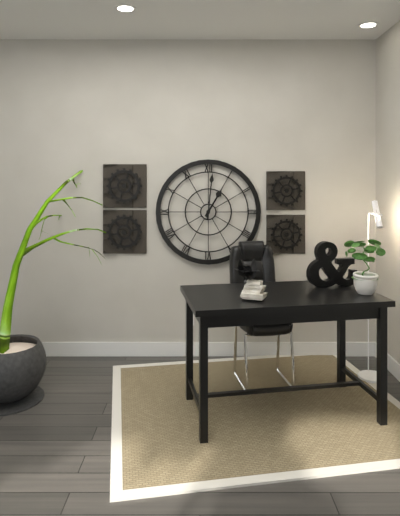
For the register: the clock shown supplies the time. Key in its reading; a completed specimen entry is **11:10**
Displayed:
**1:01**
